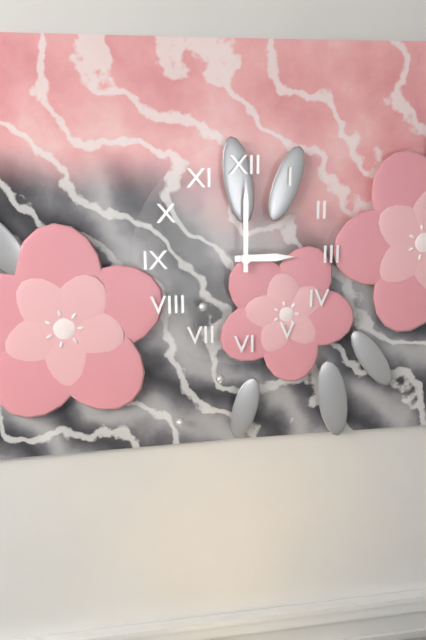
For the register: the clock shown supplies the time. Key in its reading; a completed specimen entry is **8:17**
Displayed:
**3:00**
